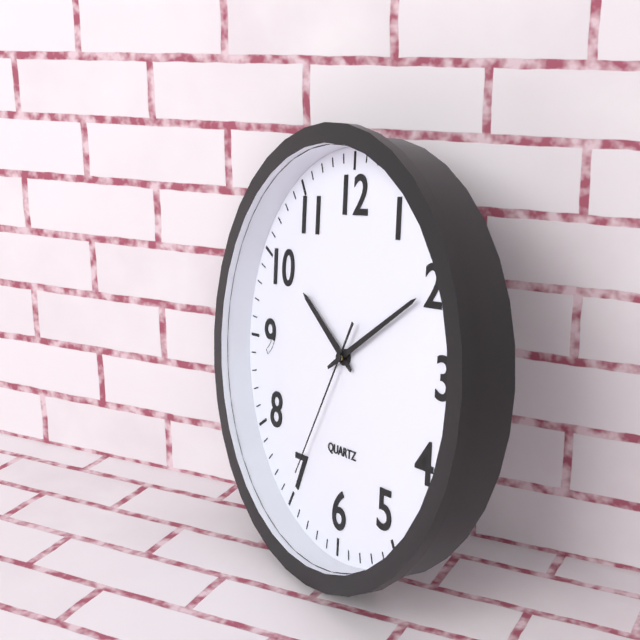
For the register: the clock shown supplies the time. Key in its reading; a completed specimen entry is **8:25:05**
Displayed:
**10:10:35**
